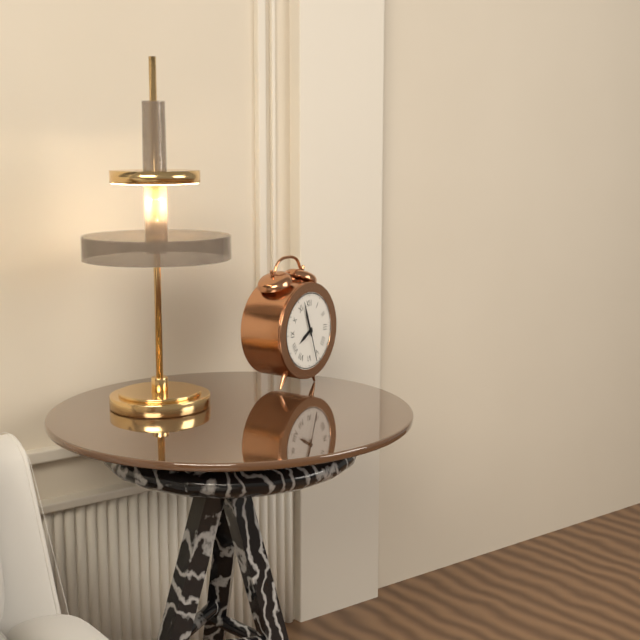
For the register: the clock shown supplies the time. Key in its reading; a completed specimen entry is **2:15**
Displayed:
**7:57**
